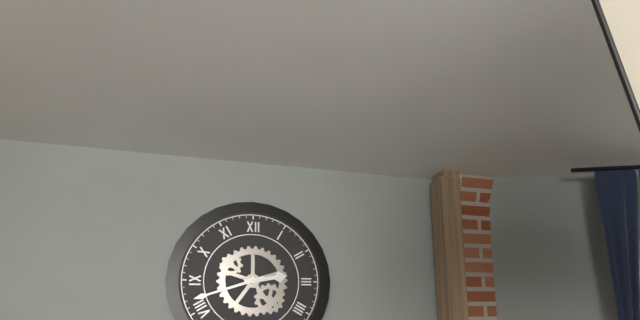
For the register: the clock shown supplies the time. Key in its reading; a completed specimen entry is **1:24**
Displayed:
**2:42**
